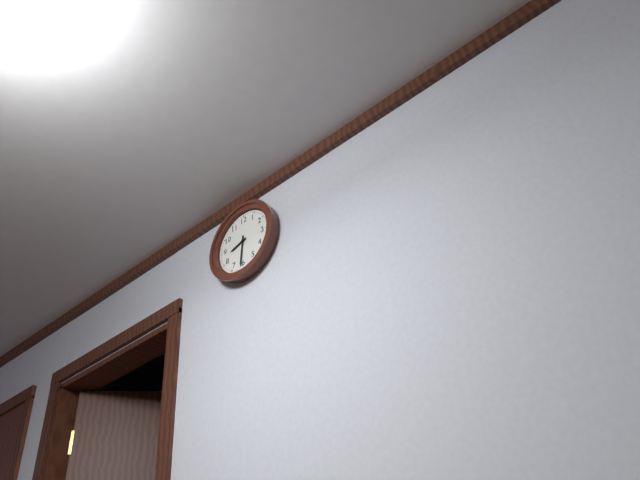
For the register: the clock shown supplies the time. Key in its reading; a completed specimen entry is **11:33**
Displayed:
**8:31**
